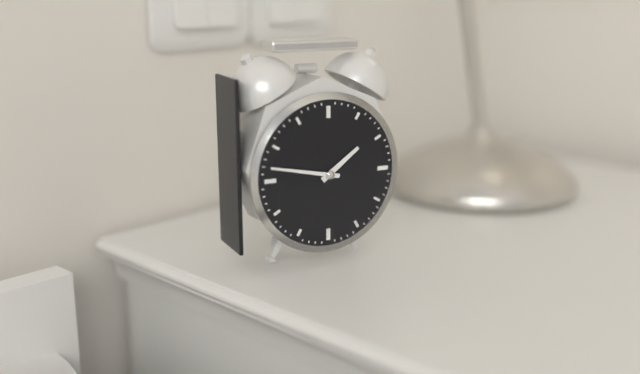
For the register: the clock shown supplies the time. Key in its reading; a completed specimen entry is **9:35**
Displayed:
**1:47**
